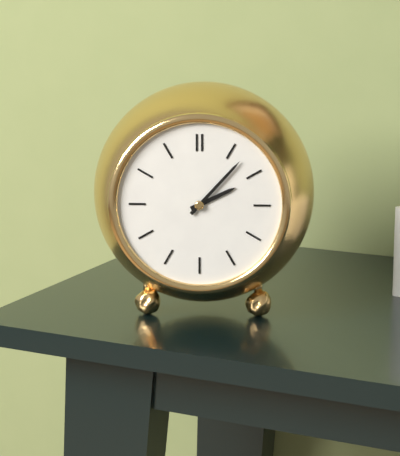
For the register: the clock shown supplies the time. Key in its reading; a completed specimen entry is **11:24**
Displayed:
**2:07**
